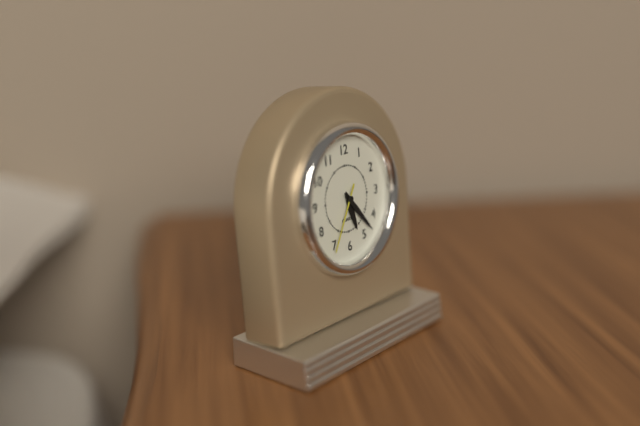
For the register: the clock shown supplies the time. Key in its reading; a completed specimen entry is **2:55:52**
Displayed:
**5:23:35**
